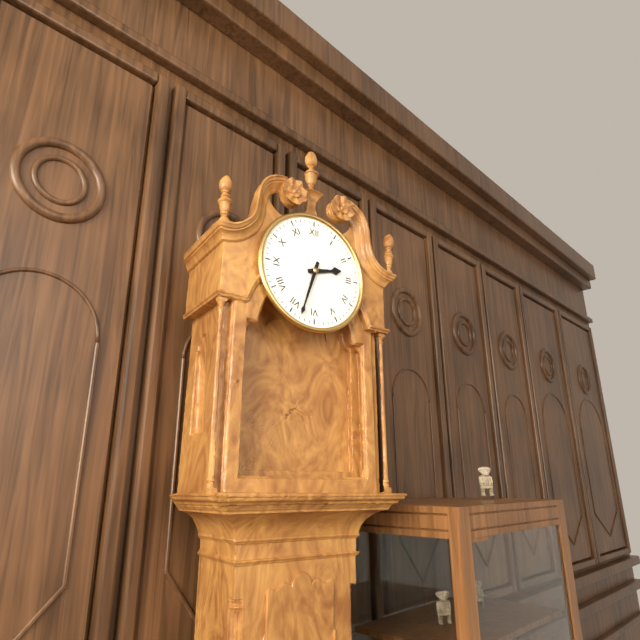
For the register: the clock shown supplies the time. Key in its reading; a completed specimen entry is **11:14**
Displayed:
**2:33**
